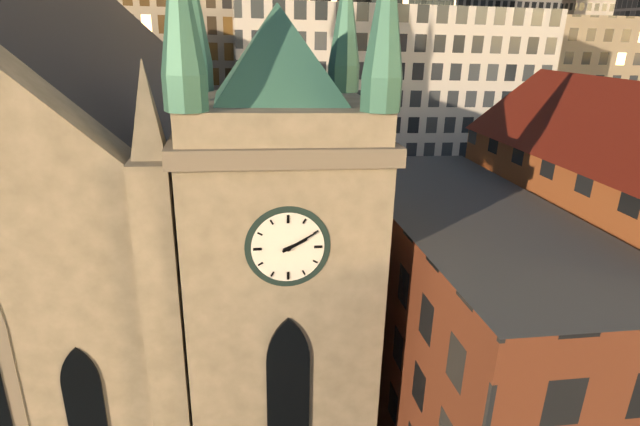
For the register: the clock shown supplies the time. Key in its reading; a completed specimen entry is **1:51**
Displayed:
**2:10**
